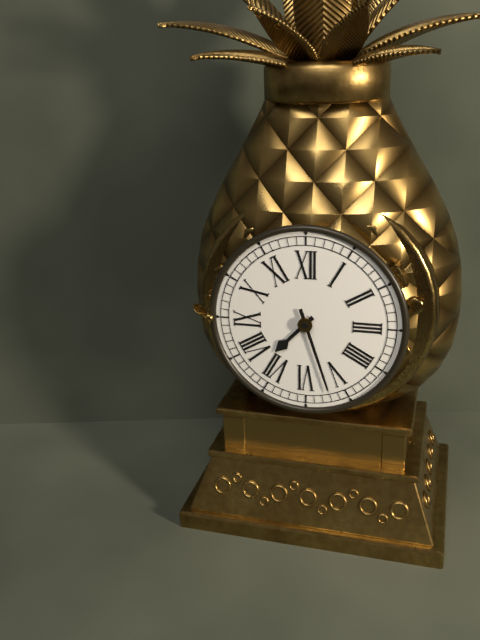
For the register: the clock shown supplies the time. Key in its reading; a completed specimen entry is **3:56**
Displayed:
**7:27**
